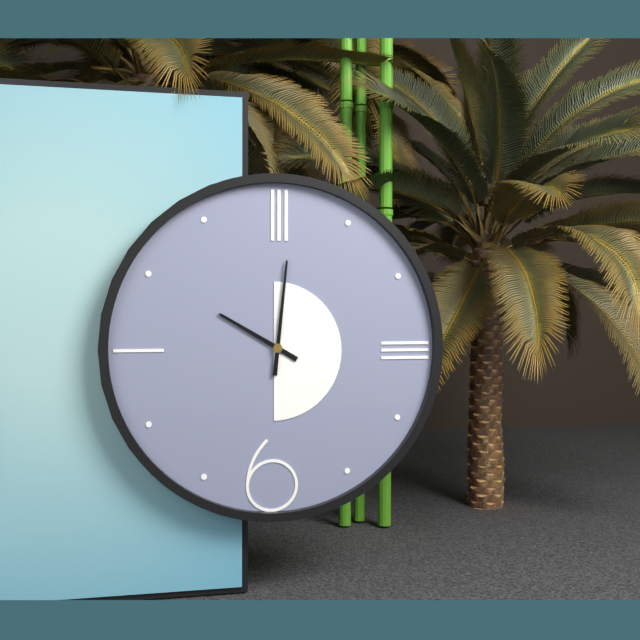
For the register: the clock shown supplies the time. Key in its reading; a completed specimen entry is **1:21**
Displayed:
**10:01**
